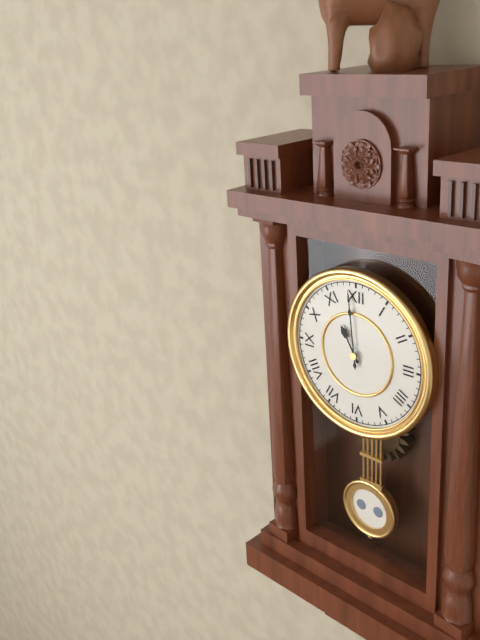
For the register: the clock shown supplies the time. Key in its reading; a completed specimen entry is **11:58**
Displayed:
**10:59**
